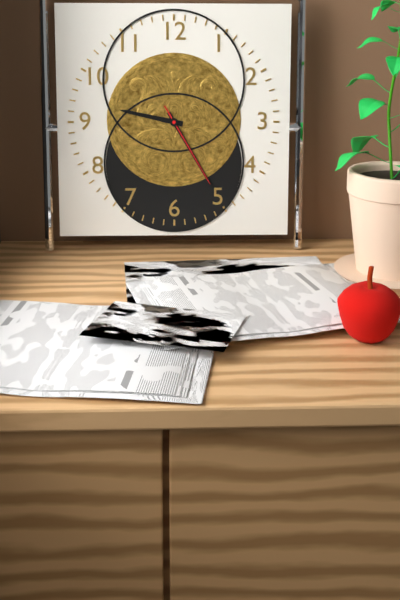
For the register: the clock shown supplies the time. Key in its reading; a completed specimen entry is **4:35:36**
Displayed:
**9:25:25**
